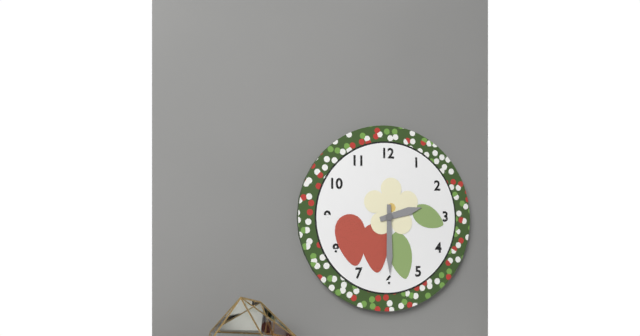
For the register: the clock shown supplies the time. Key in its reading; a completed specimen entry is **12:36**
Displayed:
**2:30**
